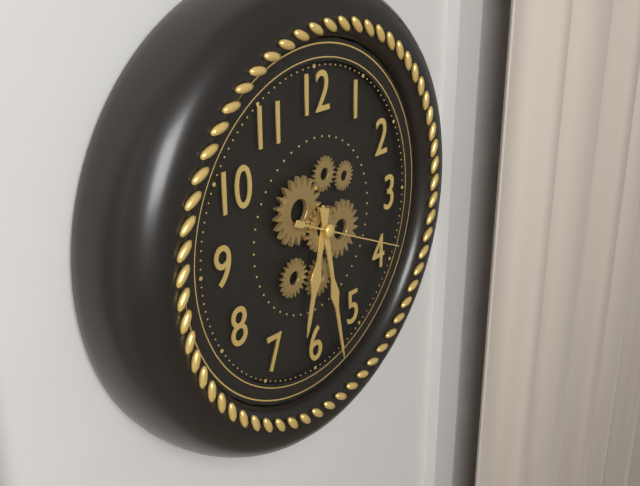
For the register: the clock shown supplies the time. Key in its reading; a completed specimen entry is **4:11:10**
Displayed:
**6:28:19**
